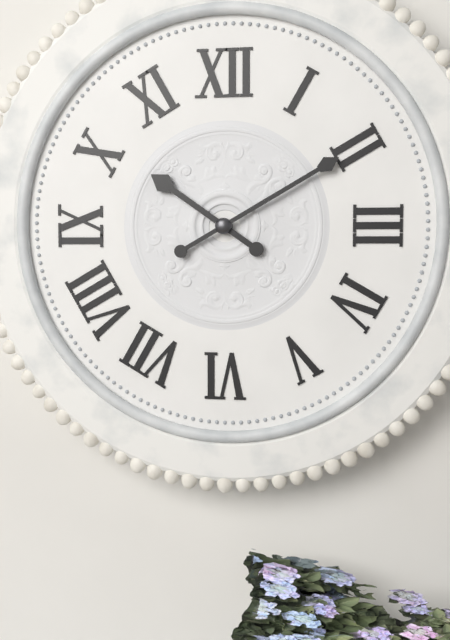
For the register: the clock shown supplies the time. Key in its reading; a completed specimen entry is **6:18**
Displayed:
**10:10**
